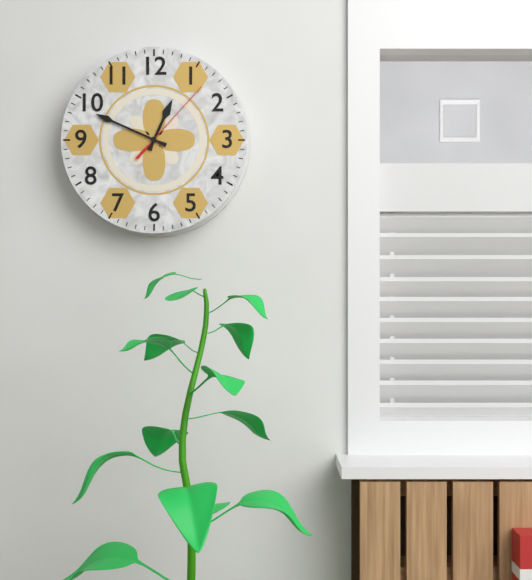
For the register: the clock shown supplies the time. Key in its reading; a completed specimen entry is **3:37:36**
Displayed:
**12:49:07**
